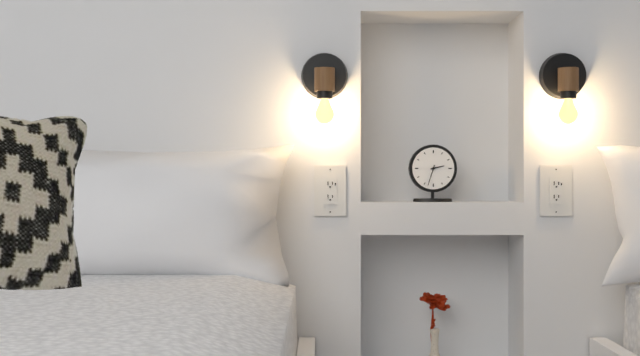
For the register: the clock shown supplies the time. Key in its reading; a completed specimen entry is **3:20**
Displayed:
**2:33**
